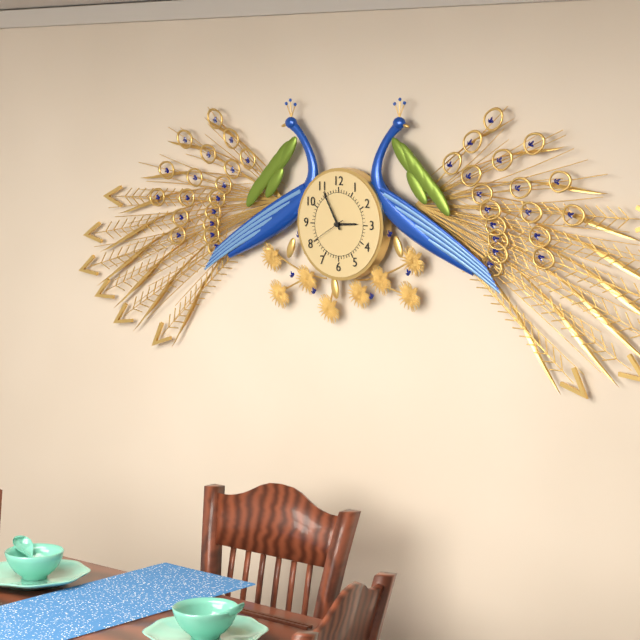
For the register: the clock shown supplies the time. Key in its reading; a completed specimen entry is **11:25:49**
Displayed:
**2:55:40**
